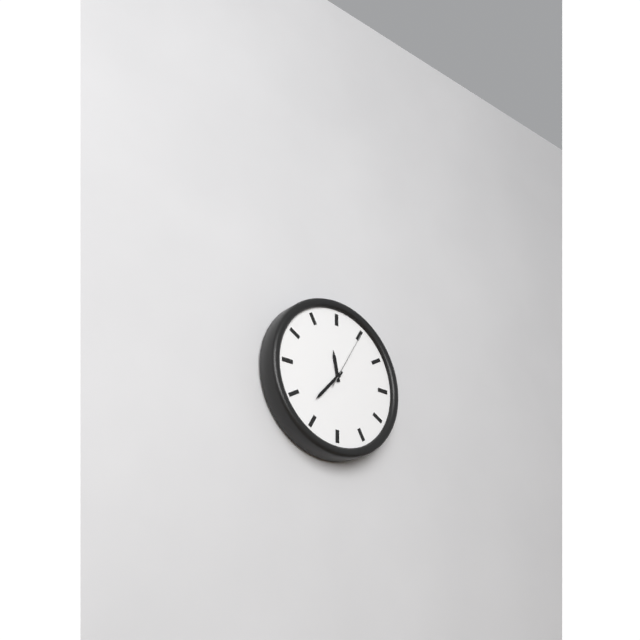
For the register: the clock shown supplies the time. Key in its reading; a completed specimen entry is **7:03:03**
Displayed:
**11:37:05**
